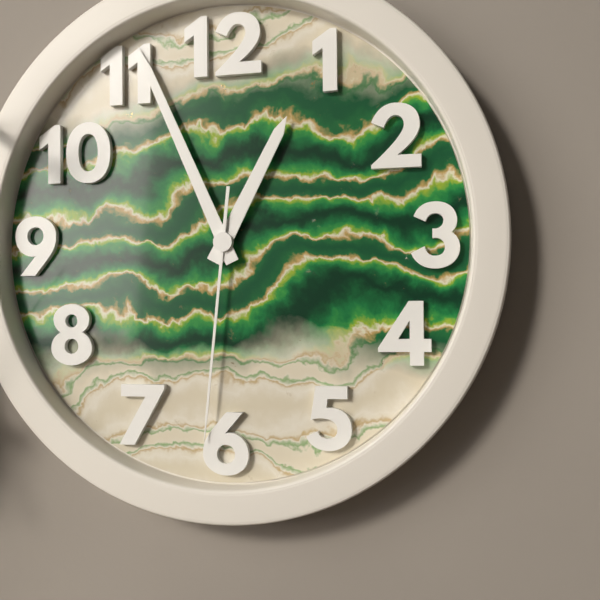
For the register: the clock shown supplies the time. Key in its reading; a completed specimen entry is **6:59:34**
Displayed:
**12:56:31**
